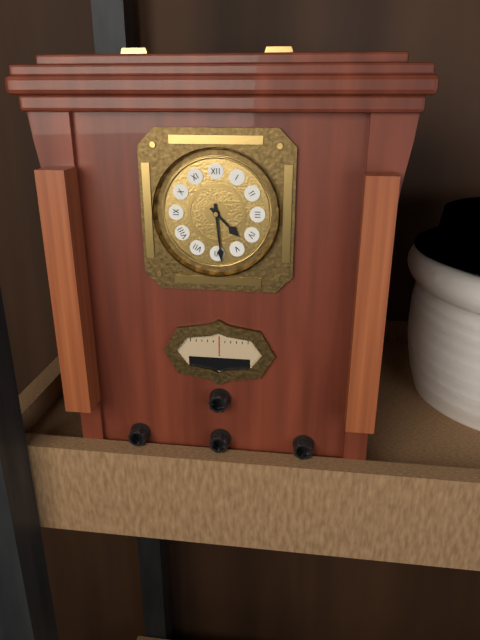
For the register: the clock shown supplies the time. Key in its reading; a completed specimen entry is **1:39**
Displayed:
**4:29**
